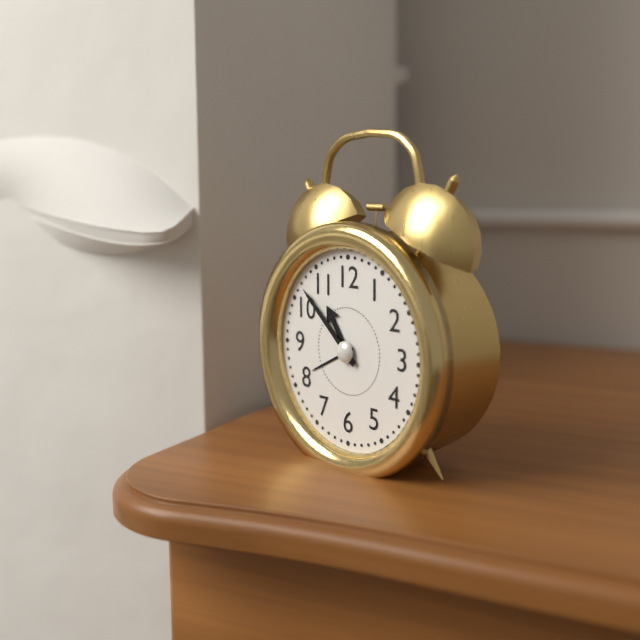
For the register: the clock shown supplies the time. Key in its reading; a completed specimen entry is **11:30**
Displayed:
**10:52**
